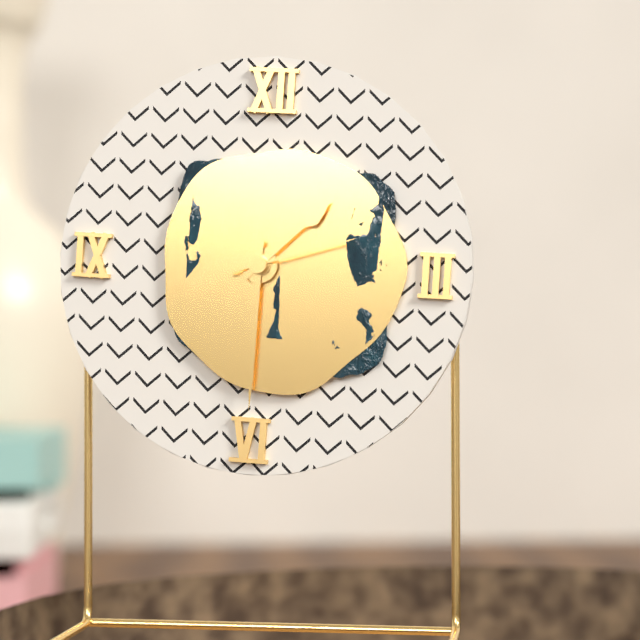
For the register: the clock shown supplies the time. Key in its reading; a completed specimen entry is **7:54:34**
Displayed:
**1:30:12**
